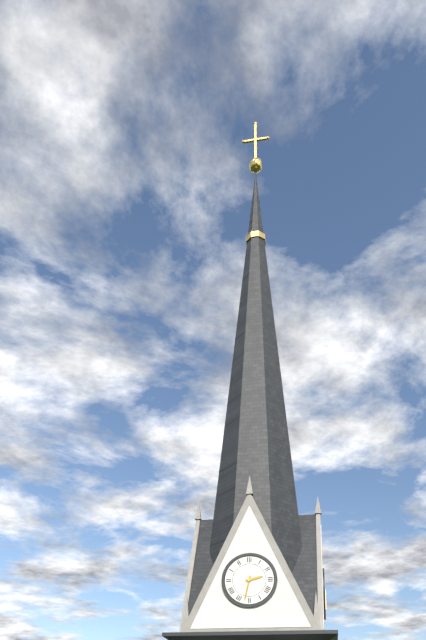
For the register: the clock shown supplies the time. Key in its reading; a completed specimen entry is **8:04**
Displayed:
**2:32**
